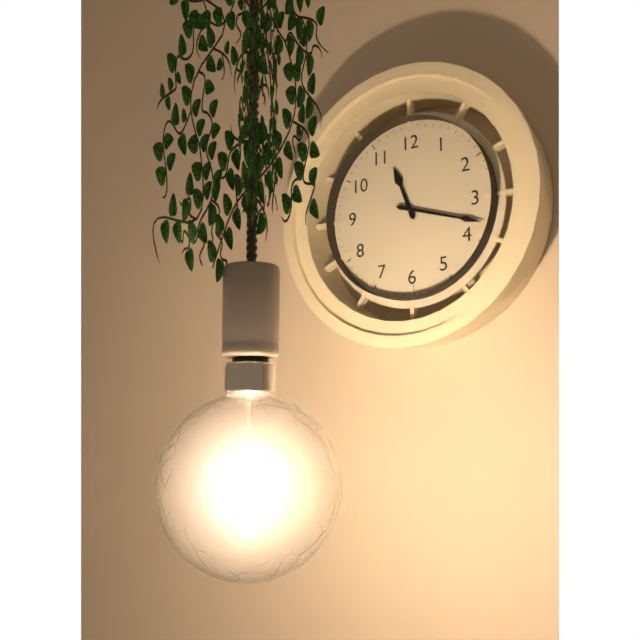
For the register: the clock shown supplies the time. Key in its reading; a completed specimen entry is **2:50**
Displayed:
**11:18**
